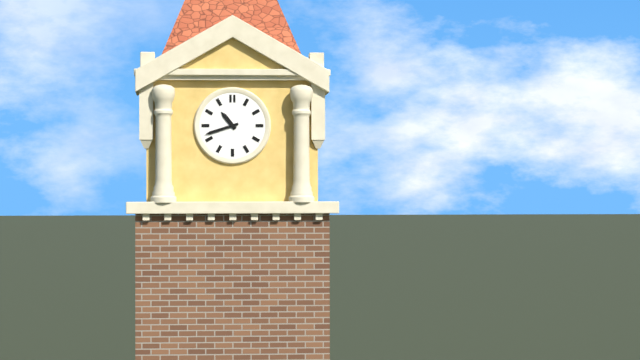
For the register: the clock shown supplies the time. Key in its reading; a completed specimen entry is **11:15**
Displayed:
**10:42**
